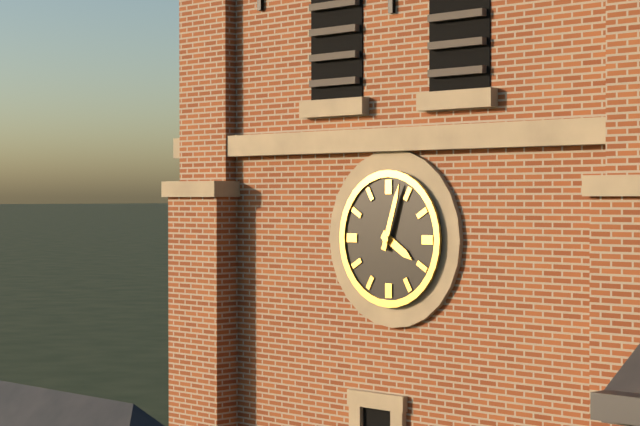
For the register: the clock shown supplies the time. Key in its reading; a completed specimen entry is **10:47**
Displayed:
**4:03**
